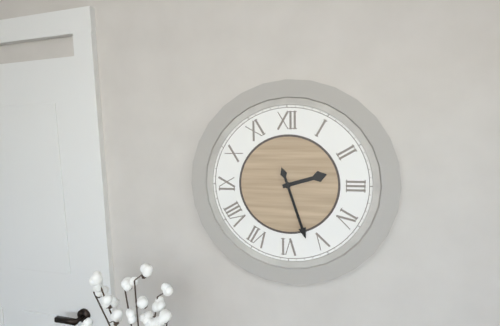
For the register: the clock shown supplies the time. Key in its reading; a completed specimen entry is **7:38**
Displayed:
**2:27**
